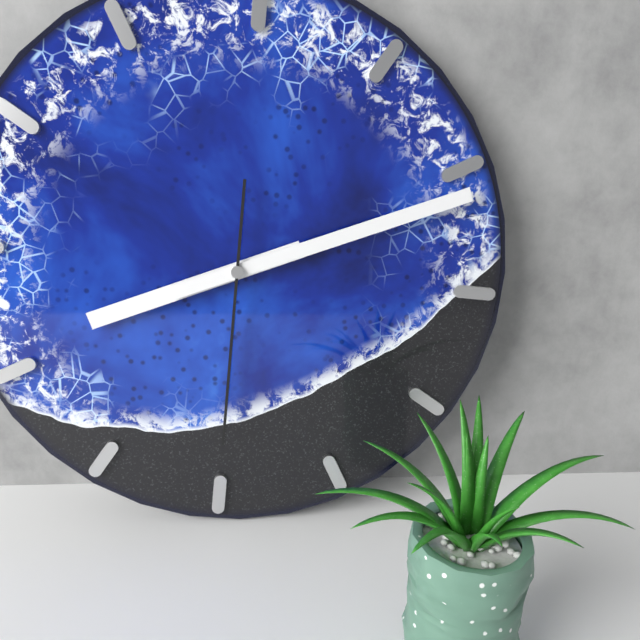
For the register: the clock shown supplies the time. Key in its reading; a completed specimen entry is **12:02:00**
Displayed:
**8:11:30**
